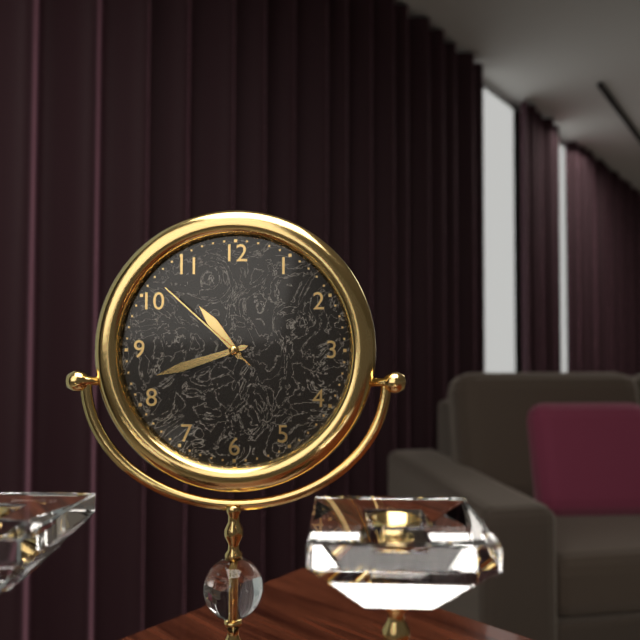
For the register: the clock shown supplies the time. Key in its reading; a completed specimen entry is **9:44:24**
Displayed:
**10:42:52**
